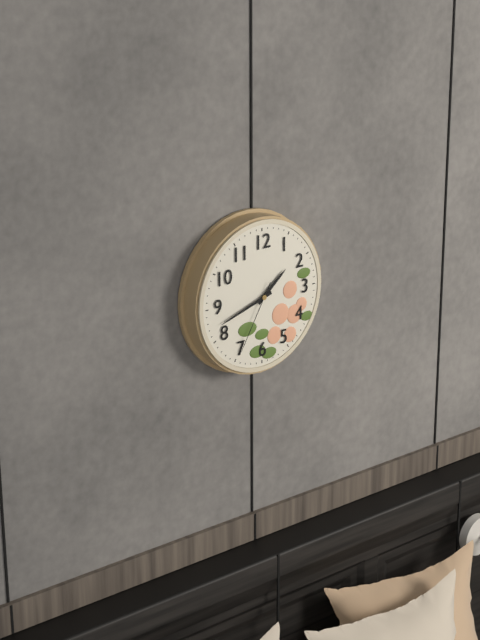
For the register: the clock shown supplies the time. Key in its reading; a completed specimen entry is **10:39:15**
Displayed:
**1:42:35**
